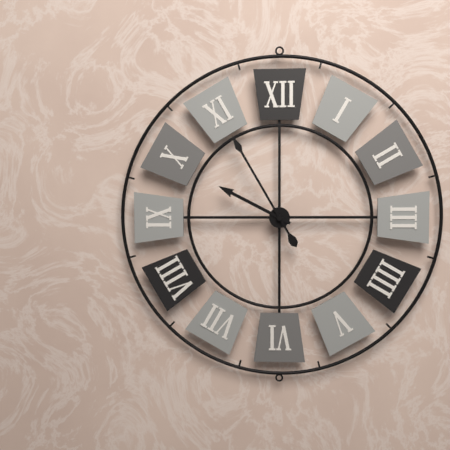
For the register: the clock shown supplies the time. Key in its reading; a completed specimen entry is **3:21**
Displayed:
**9:55**
